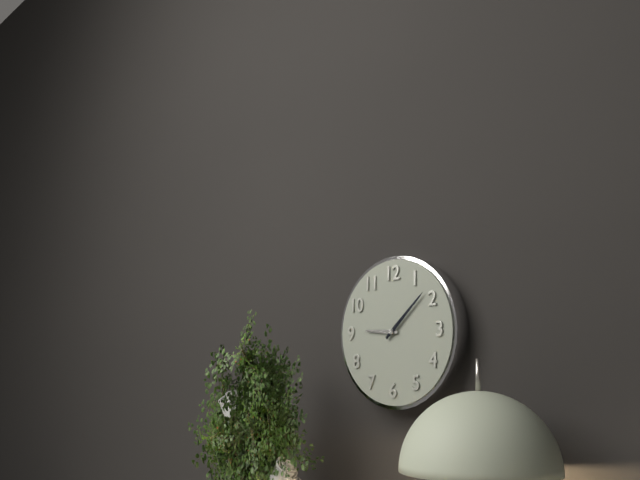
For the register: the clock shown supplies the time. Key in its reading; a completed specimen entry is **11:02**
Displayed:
**9:08**
